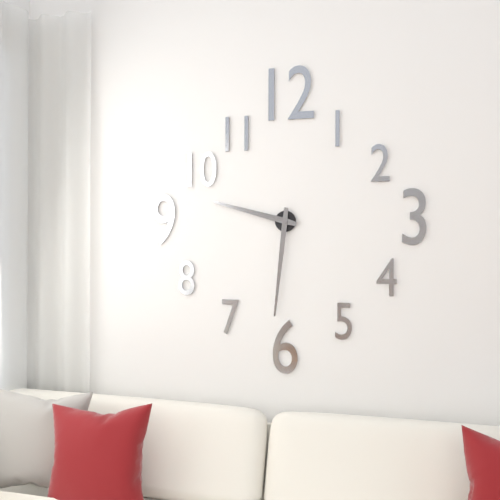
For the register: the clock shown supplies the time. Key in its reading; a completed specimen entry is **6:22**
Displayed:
**9:31**
